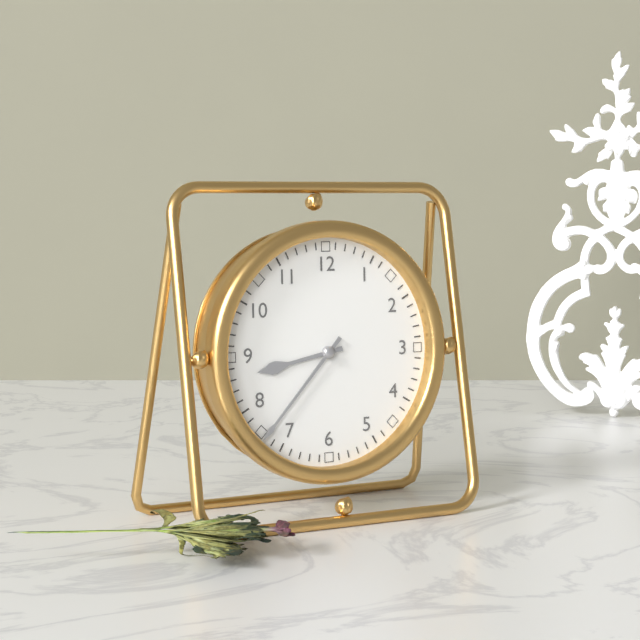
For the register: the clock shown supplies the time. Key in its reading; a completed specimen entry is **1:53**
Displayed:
**8:37**
